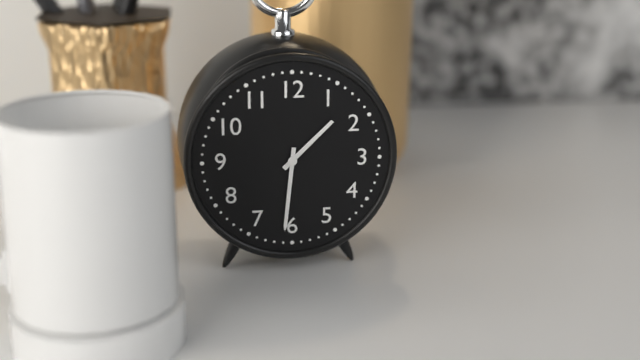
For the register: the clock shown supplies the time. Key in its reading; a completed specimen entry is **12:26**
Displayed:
**1:31**
